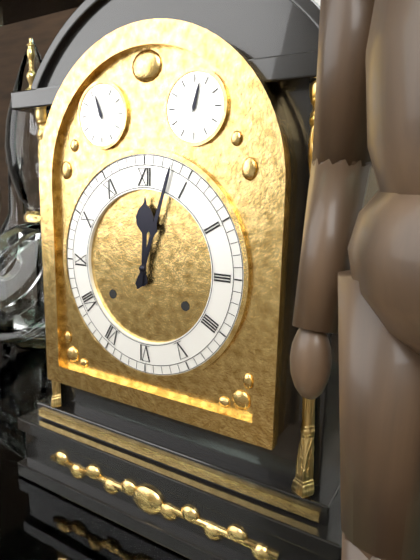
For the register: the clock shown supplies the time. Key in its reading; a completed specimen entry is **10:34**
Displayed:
**12:03**
